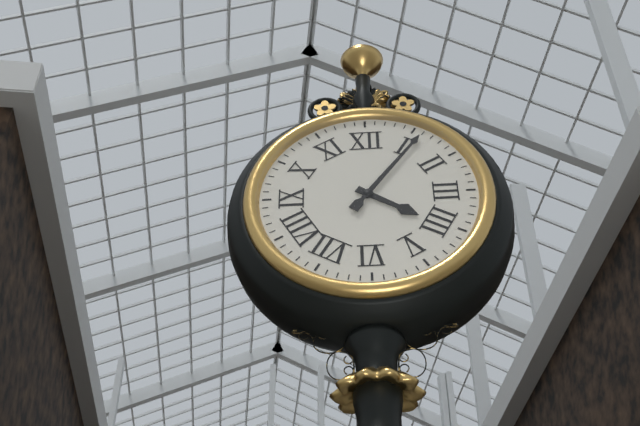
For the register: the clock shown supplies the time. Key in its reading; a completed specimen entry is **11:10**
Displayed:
**4:06**
